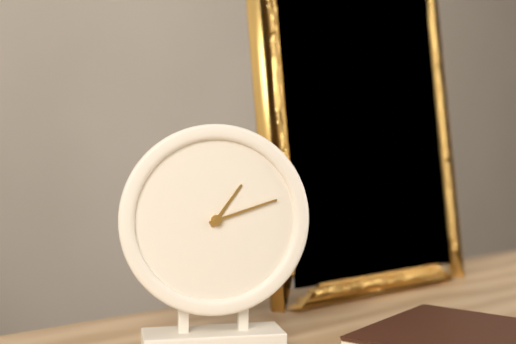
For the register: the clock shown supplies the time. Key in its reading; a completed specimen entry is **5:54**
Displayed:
**1:12**
